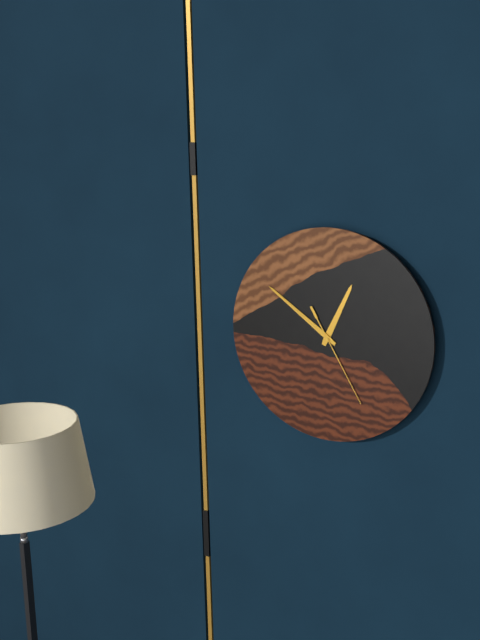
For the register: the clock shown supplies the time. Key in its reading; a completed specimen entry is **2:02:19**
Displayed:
**12:51:25**
